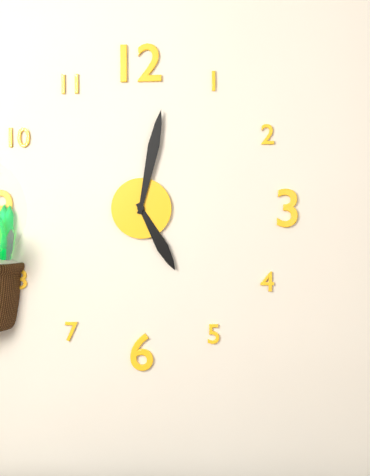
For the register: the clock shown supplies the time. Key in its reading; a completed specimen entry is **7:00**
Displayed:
**5:02**
